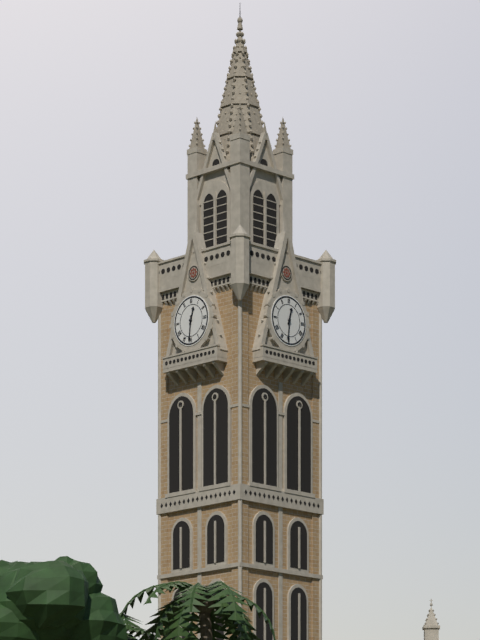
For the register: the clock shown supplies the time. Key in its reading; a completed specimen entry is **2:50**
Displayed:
**12:31**
